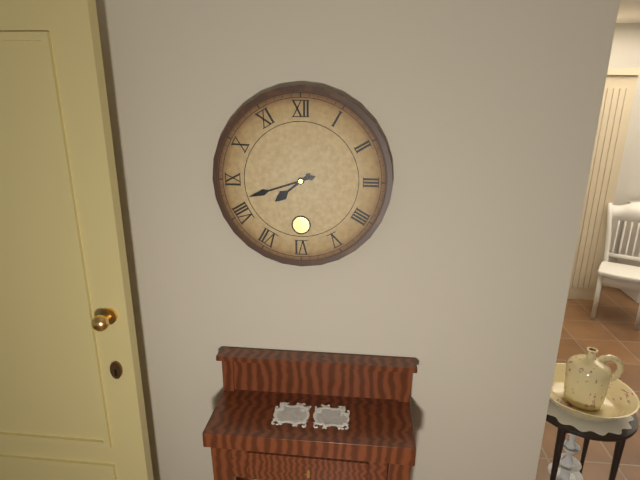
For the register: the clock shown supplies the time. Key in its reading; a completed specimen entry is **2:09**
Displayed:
**7:42**
